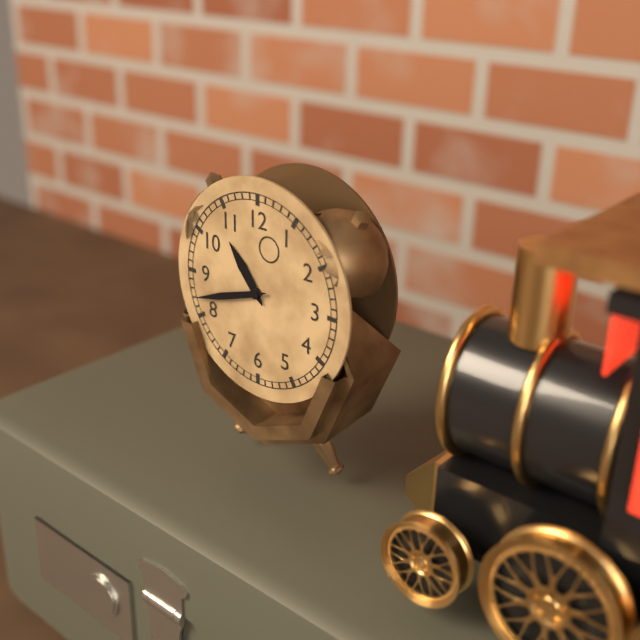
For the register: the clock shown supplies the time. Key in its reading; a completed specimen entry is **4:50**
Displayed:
**10:42**
